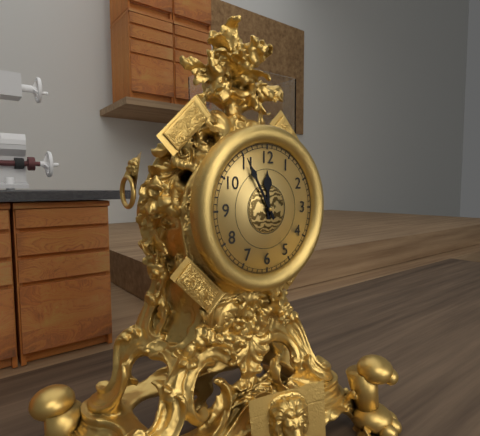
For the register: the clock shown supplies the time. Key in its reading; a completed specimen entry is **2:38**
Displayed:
**11:55**
